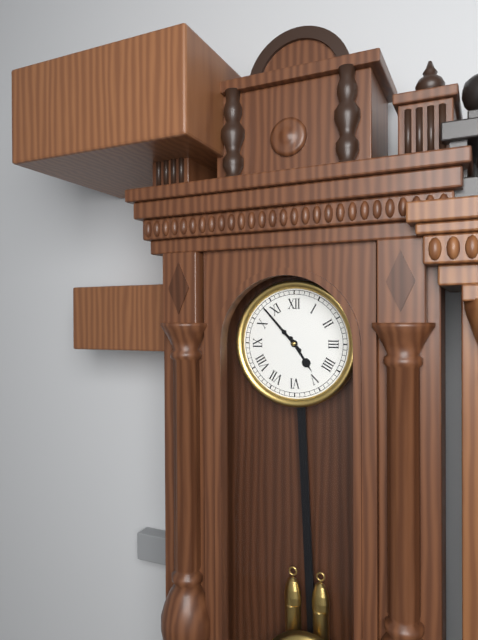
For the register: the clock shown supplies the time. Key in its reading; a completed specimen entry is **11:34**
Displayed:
**4:53**
